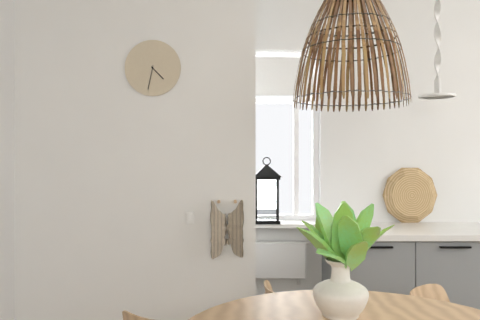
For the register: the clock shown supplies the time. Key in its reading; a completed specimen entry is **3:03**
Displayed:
**4:32**
